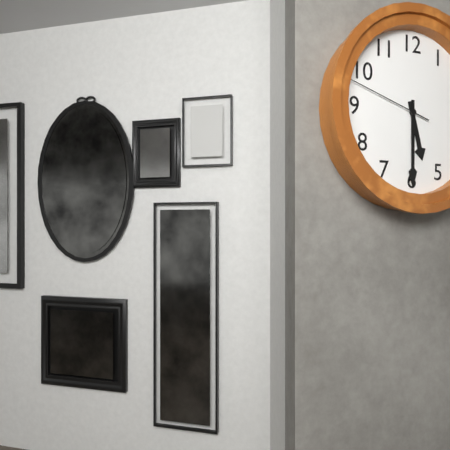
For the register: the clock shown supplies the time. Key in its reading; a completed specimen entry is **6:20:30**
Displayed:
**5:30:48**
